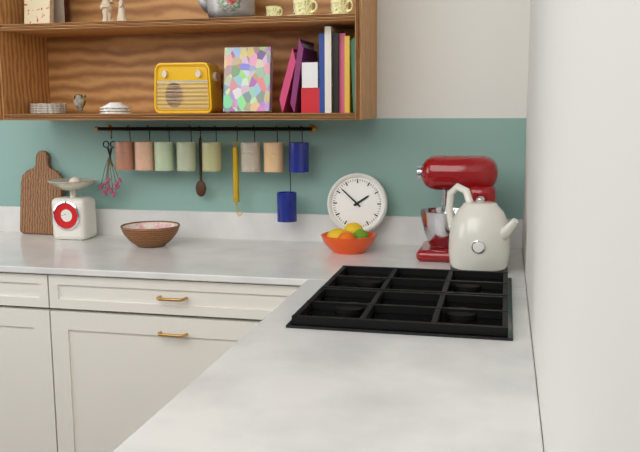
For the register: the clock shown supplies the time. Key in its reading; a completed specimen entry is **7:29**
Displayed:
**1:52**
